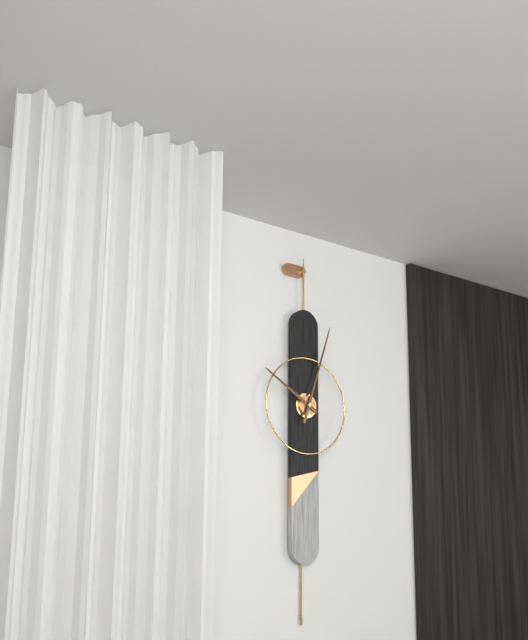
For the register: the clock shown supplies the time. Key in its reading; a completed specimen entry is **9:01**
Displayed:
**10:03**
